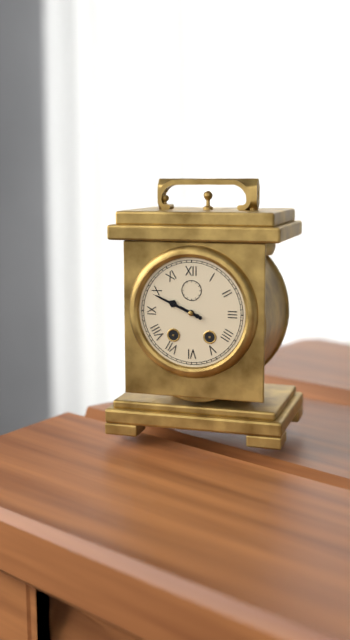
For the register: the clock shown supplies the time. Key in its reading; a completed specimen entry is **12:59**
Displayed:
**9:49**
